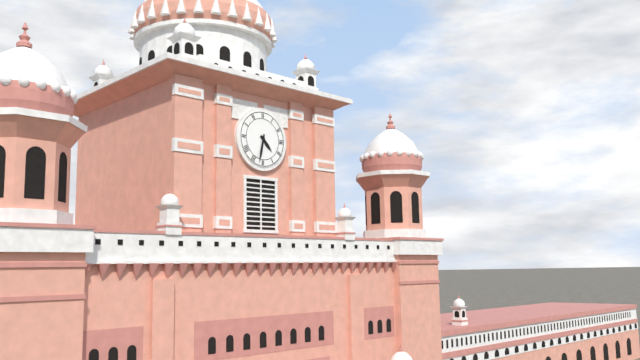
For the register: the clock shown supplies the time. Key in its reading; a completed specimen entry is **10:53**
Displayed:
**4:32**
